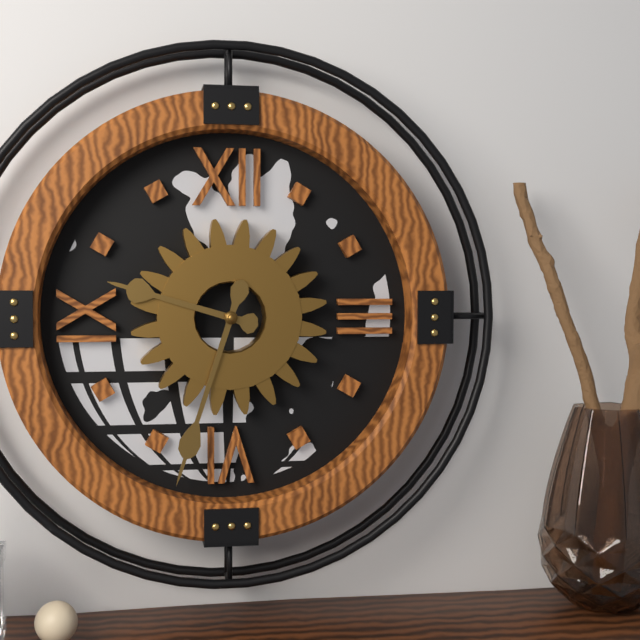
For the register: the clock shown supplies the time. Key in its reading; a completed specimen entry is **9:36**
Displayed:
**9:33**
